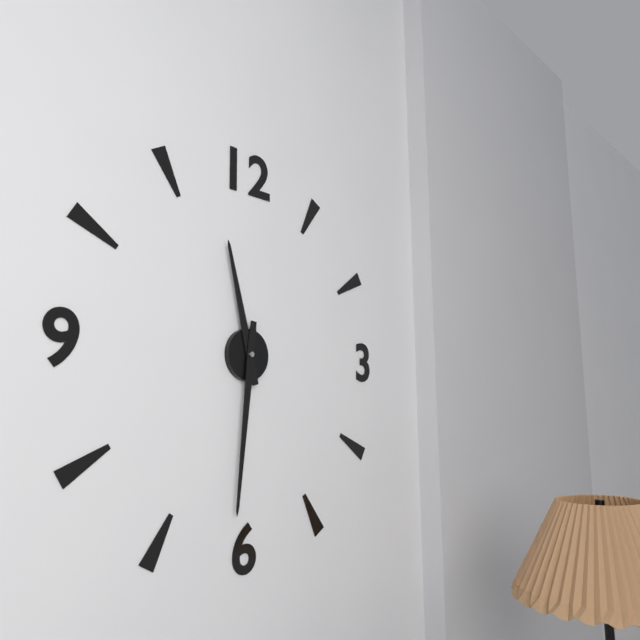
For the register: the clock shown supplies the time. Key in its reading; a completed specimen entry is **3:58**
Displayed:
**11:31**
